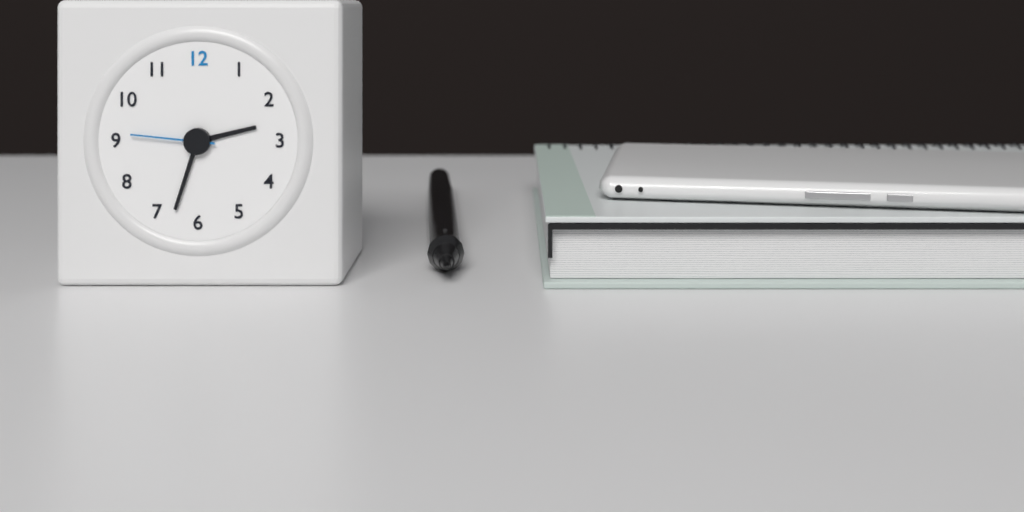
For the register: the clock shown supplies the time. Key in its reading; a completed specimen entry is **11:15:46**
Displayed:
**2:33:46**
